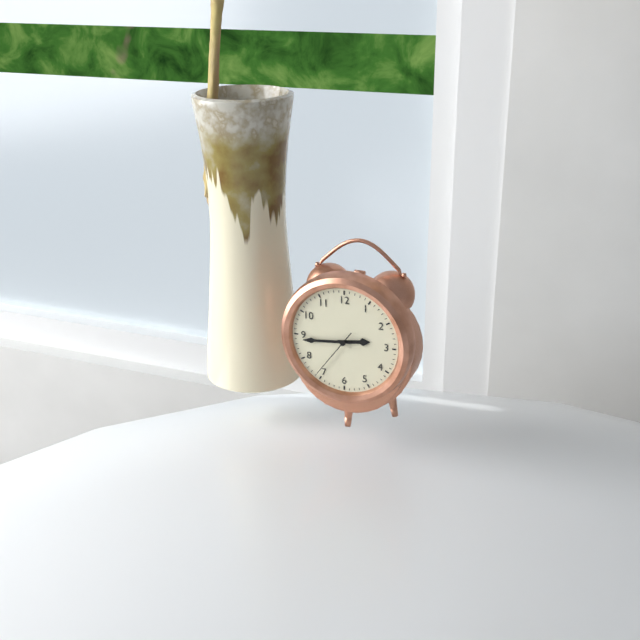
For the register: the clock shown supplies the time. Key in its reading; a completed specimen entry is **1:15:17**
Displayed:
**2:44:36**
